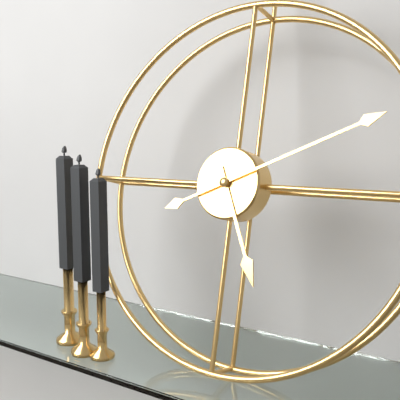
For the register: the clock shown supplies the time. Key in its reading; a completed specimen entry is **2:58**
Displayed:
**5:11**
